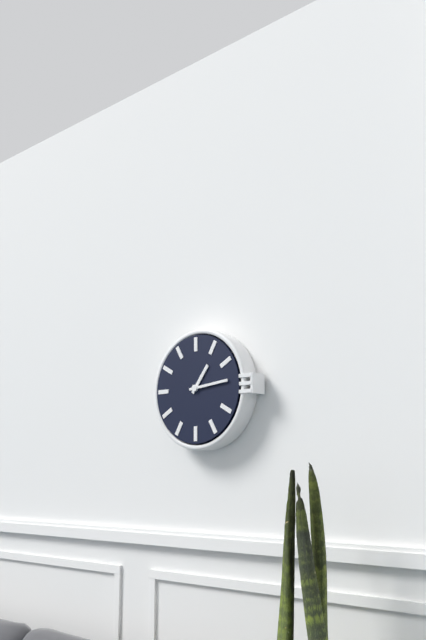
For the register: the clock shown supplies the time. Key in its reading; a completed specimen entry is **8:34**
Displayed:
**1:14**
